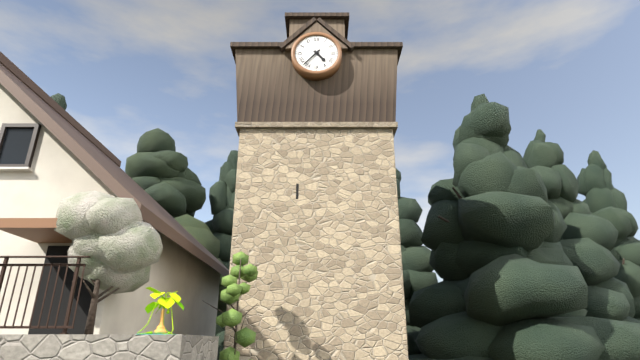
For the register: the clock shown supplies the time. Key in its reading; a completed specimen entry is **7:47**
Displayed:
**4:37**
